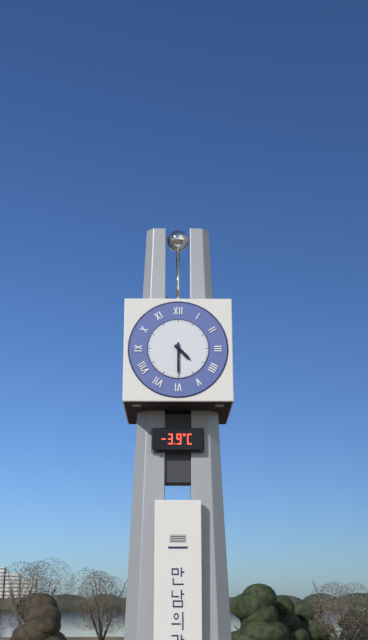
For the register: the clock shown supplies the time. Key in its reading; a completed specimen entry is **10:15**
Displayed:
**4:30**
